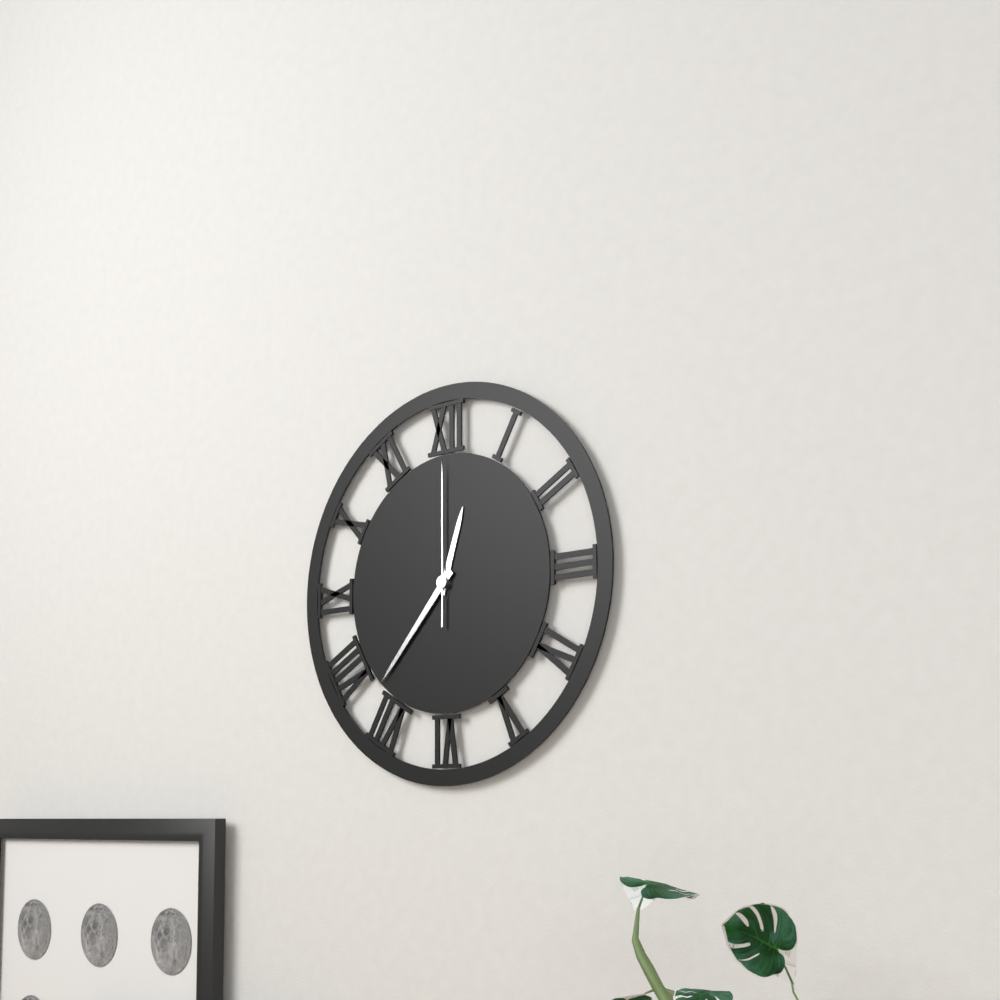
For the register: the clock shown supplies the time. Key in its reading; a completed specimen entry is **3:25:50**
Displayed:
**12:37:00**
